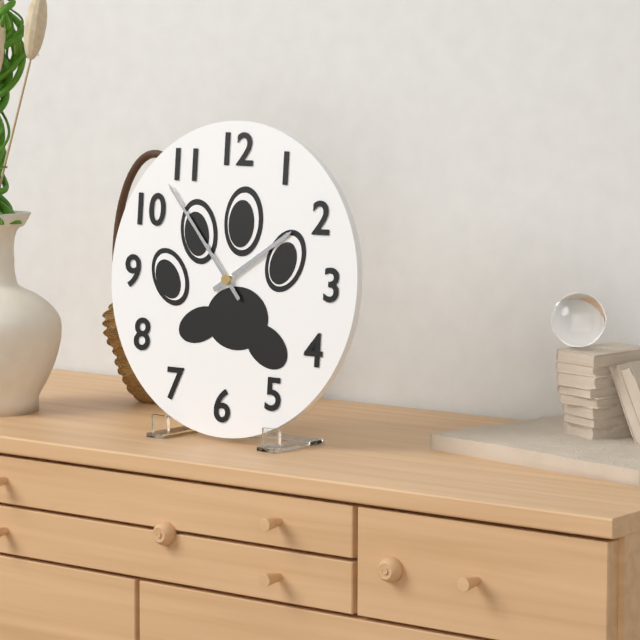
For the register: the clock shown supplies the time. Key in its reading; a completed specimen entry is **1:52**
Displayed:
**1:53**
